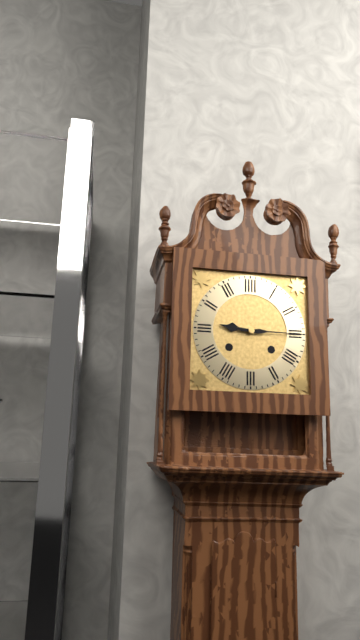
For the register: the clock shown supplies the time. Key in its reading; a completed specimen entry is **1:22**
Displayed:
**9:15**
